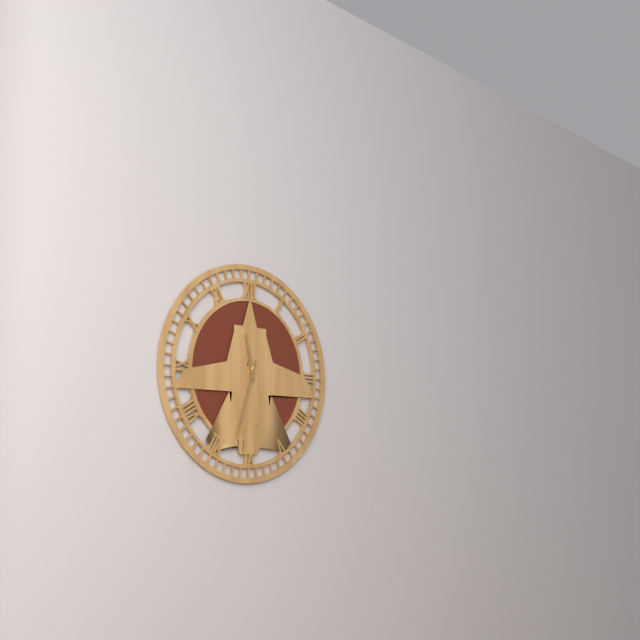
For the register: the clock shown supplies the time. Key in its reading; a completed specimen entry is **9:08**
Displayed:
**11:33**
